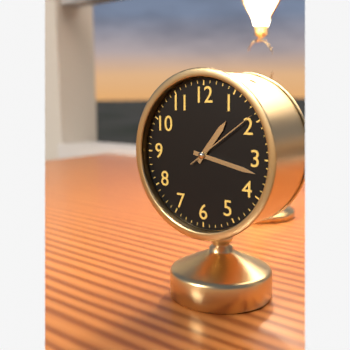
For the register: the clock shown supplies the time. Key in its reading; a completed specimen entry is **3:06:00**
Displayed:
**1:17:09**
